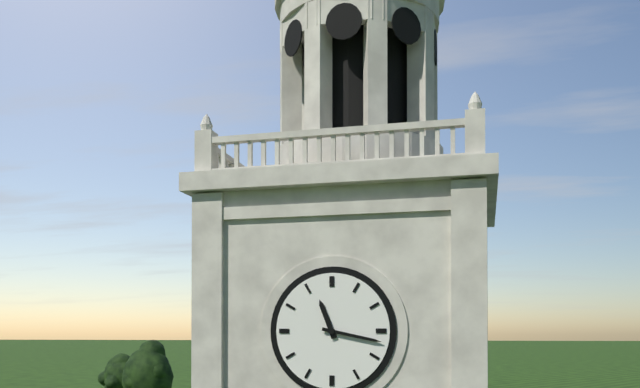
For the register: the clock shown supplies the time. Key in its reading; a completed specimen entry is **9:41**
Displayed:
**11:17**
